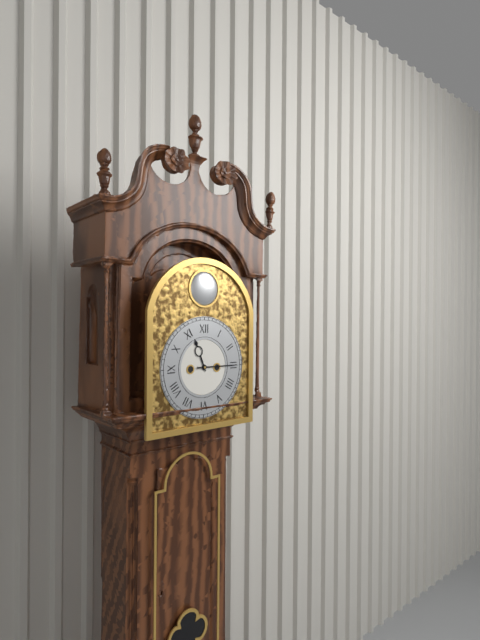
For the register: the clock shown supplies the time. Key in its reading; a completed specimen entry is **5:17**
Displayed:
**11:15**
